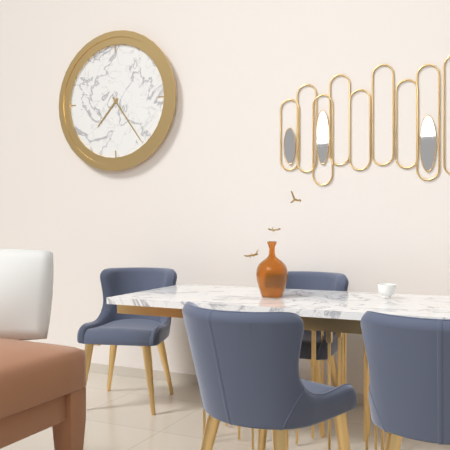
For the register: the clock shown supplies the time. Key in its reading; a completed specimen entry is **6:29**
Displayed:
**7:24**
